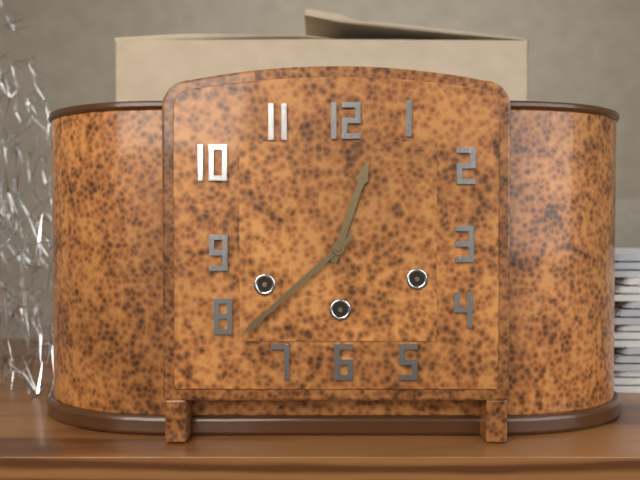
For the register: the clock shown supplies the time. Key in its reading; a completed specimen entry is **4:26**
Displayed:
**12:38**
